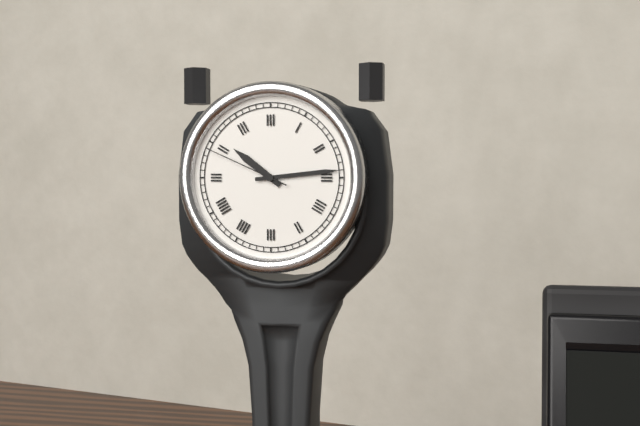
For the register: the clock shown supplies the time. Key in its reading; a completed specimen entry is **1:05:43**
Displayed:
**10:14:49**
